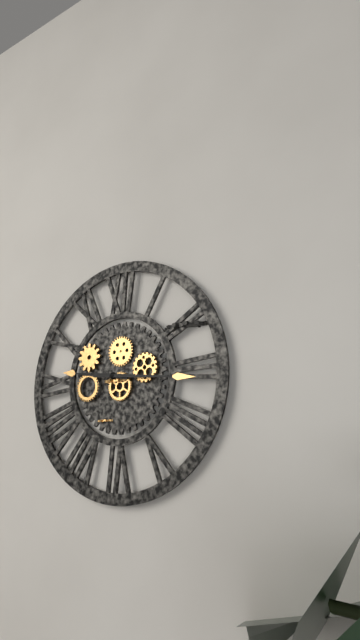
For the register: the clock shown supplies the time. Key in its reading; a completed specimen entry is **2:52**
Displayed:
**9:16**
